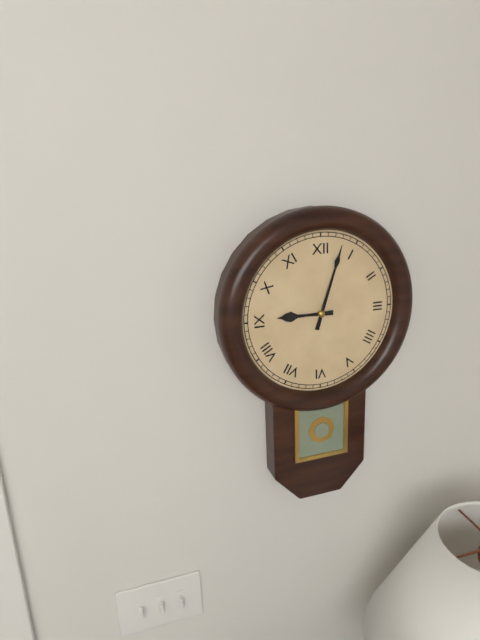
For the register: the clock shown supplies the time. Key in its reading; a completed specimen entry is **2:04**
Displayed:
**9:03**
